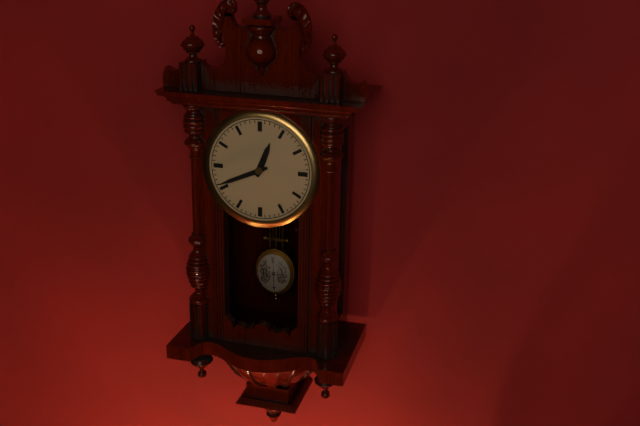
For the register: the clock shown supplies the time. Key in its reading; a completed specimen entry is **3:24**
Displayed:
**12:41**
